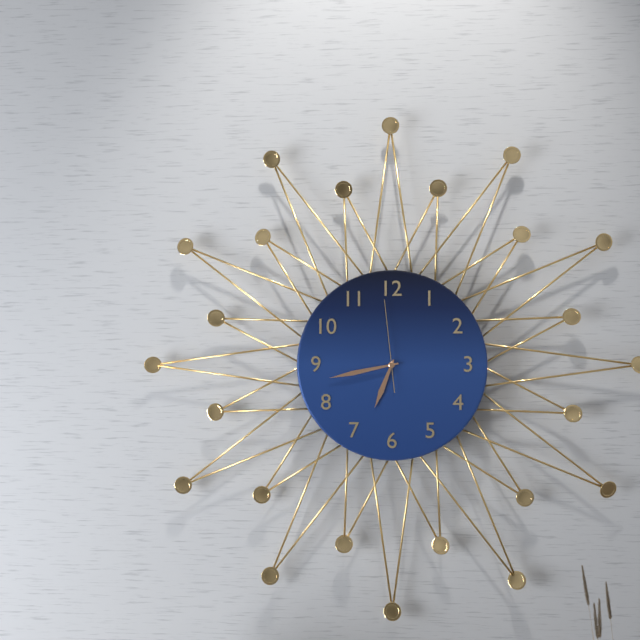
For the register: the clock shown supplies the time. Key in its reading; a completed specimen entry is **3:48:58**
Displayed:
**6:43:59**
